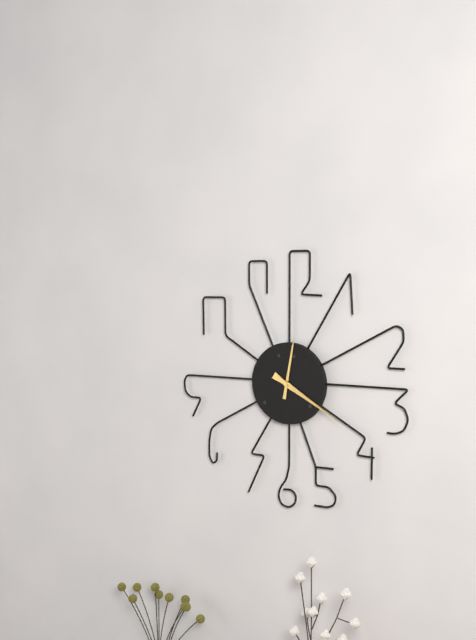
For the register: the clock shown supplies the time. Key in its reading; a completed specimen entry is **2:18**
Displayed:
**12:20**
